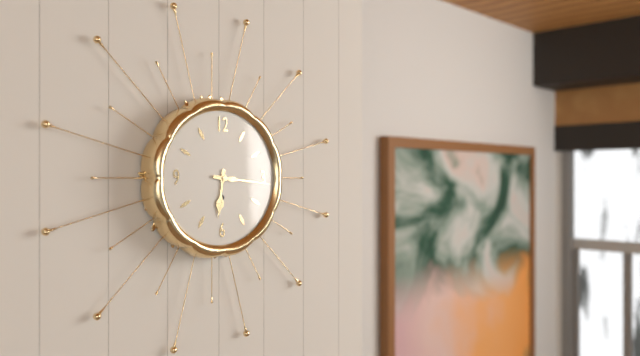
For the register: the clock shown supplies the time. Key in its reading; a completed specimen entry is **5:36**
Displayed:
**6:16**
